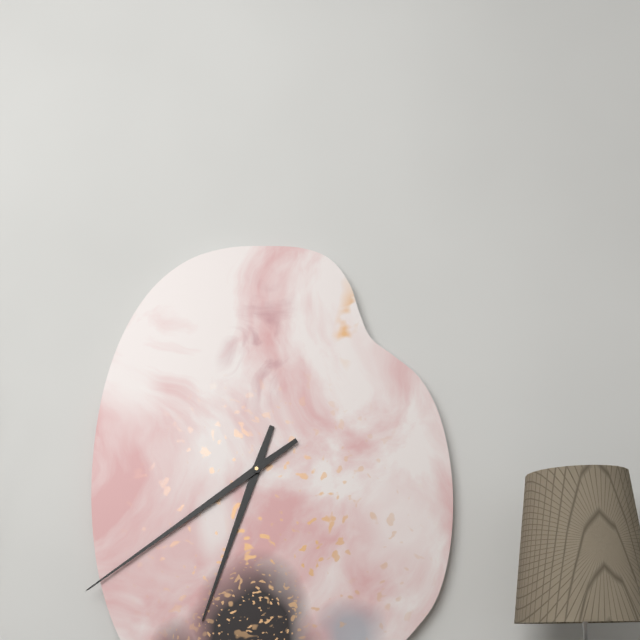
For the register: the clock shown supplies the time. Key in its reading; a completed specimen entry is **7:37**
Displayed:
**6:39**
